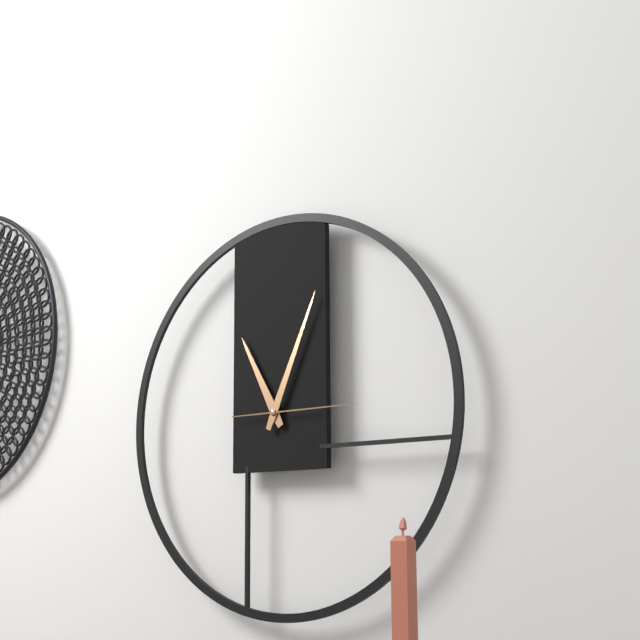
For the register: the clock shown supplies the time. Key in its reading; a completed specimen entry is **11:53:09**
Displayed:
**11:04:15**
